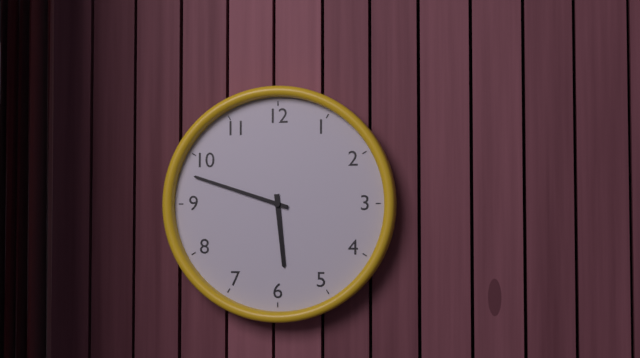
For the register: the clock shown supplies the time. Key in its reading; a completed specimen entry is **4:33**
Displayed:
**5:48**
